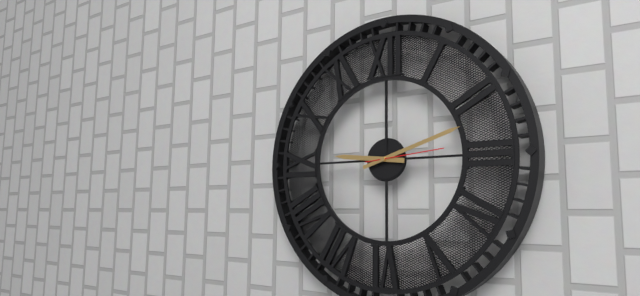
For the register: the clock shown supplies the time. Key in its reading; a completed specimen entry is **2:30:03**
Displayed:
**9:12:14**
